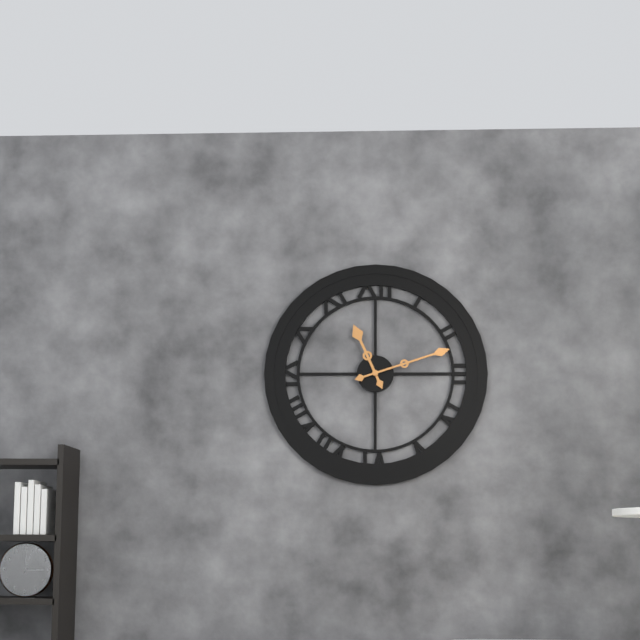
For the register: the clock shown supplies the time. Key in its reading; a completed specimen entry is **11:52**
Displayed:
**11:12**
